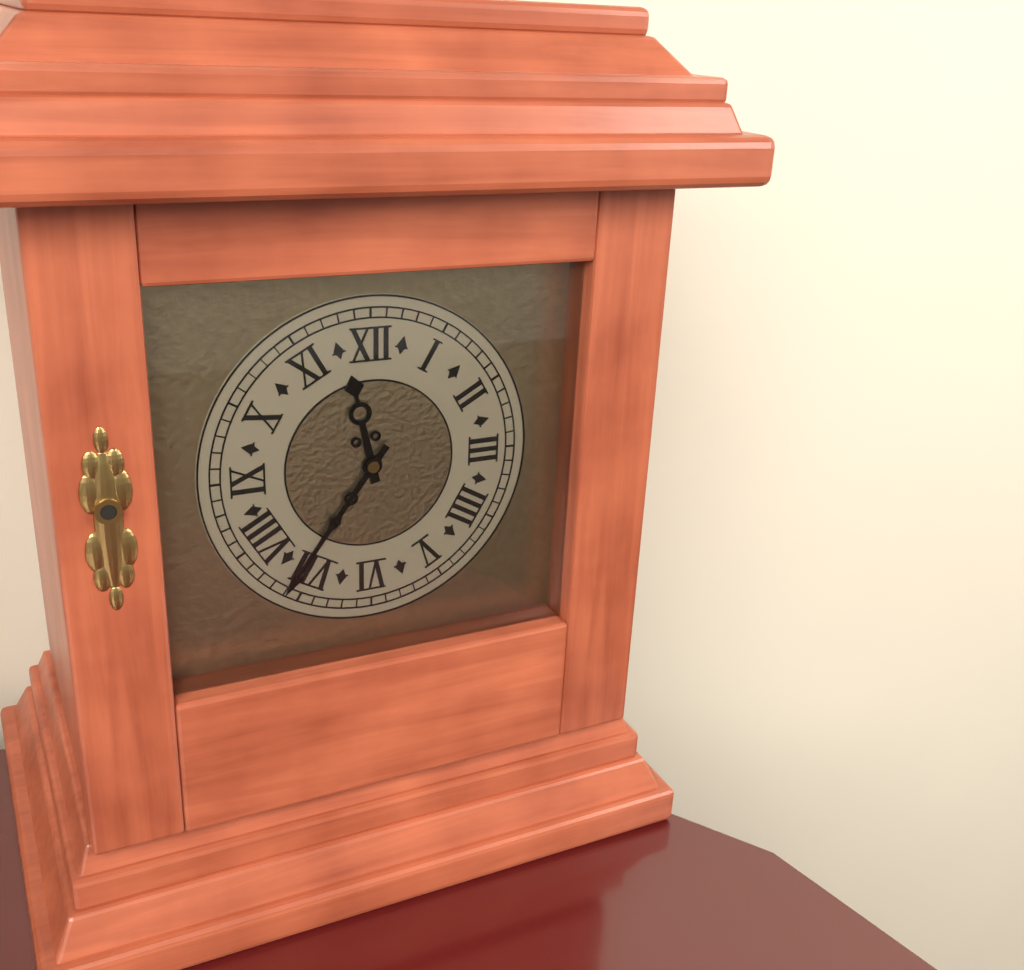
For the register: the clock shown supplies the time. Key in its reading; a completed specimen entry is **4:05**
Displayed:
**11:36**
